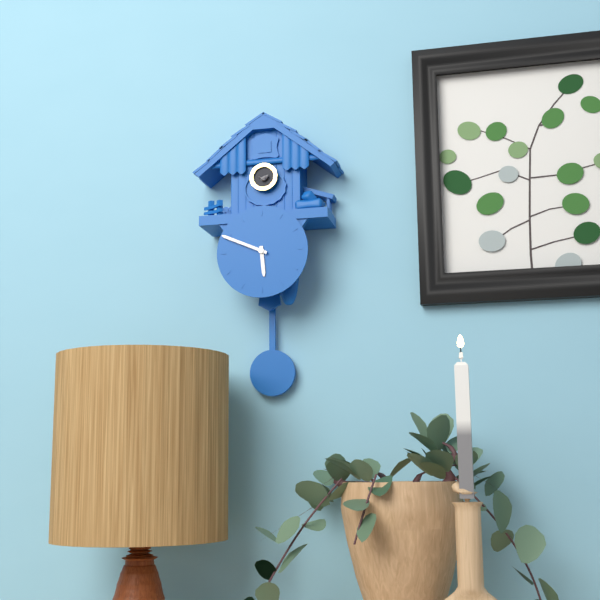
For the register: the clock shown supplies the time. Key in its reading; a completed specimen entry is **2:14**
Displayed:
**5:49**
